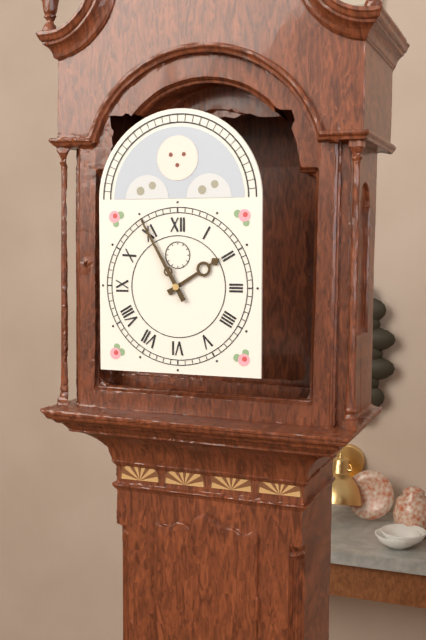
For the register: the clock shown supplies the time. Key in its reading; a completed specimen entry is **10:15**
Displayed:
**1:55**
